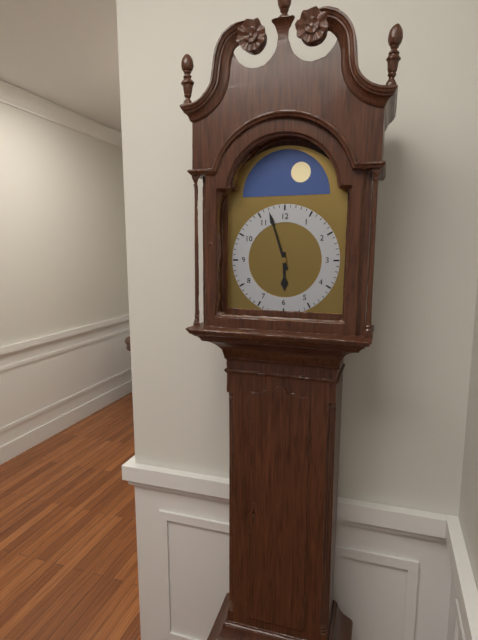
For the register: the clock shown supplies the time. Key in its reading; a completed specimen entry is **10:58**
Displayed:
**5:57**
